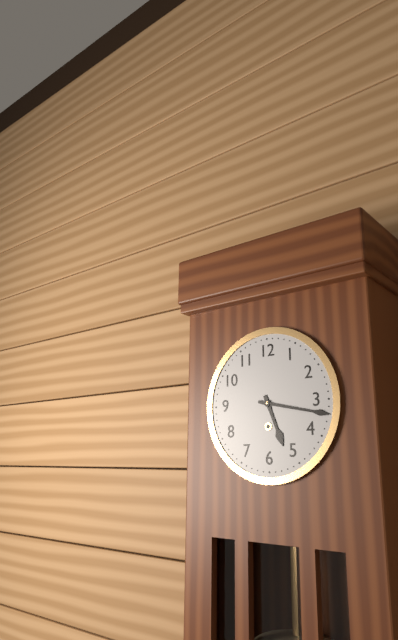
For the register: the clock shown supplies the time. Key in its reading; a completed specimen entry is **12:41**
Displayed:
**5:17**
